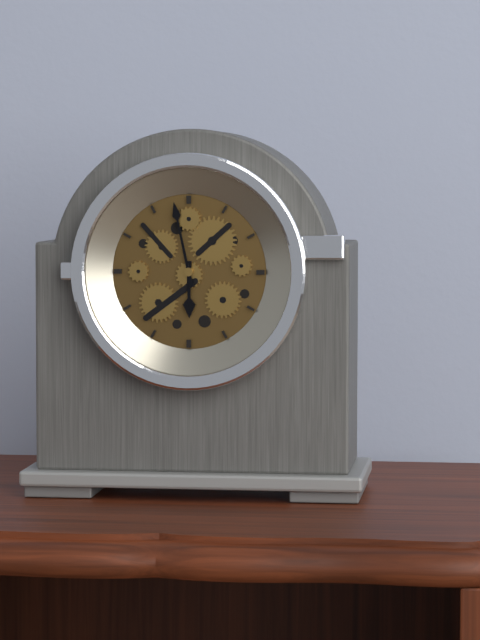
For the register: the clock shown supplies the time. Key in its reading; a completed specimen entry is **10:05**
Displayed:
**5:58**
